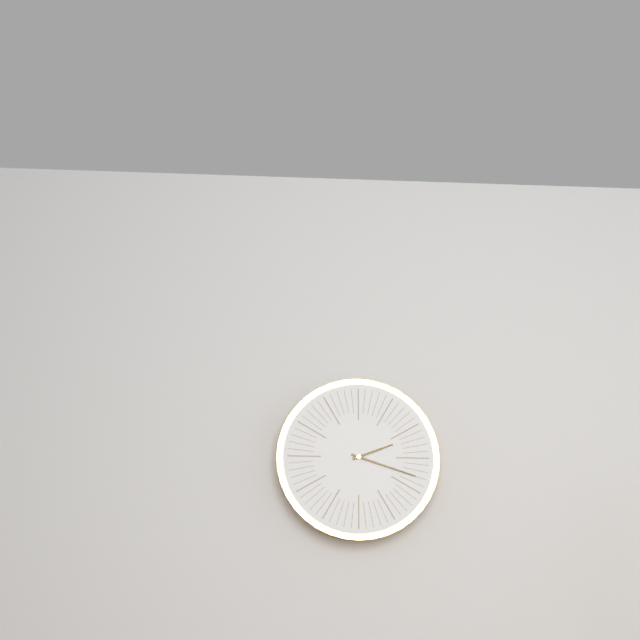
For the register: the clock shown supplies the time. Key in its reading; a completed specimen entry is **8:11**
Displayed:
**2:18**
